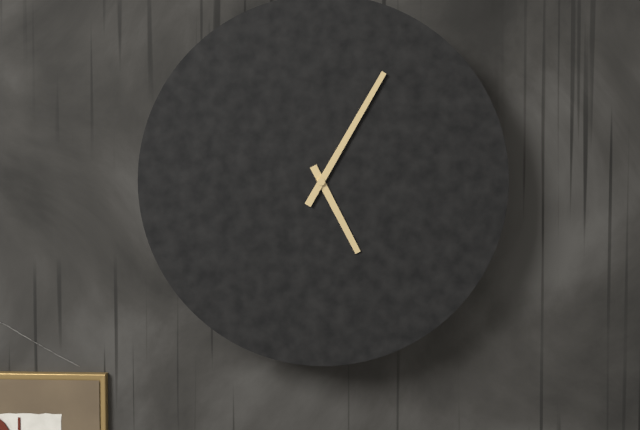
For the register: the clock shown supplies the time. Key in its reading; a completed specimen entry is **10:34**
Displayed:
**5:05**
